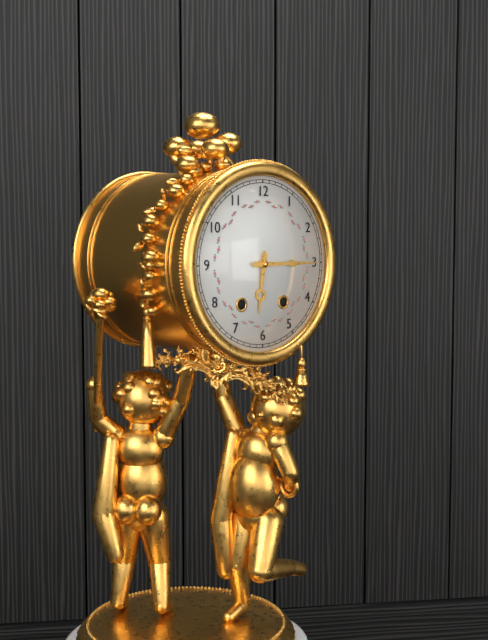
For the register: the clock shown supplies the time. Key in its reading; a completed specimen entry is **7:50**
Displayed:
**6:15**
